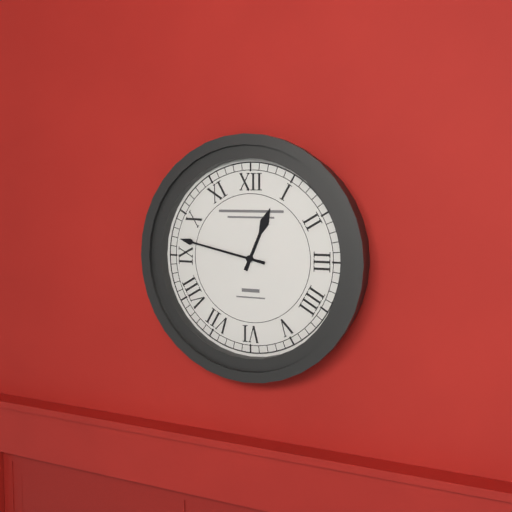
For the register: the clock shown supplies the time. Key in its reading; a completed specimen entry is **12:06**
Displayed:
**12:47**
